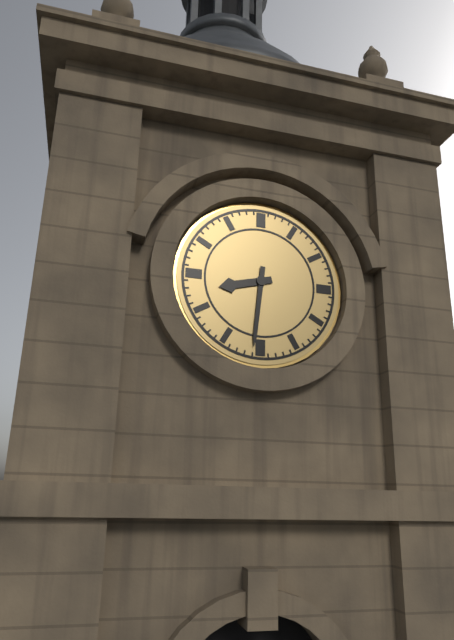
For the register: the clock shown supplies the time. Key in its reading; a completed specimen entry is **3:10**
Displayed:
**8:31**
